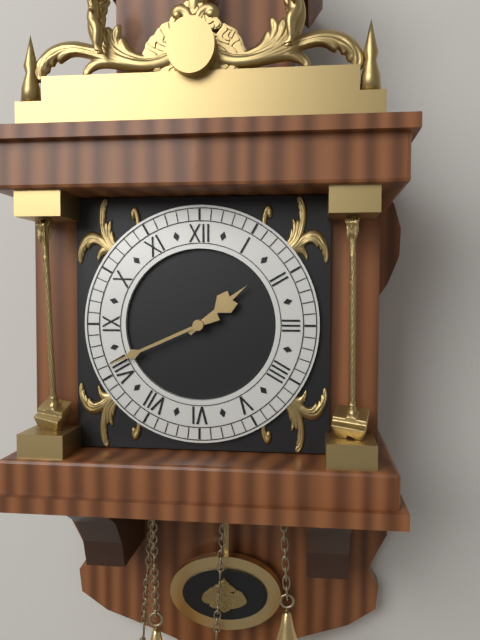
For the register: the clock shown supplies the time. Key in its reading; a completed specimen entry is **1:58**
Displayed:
**1:41**
